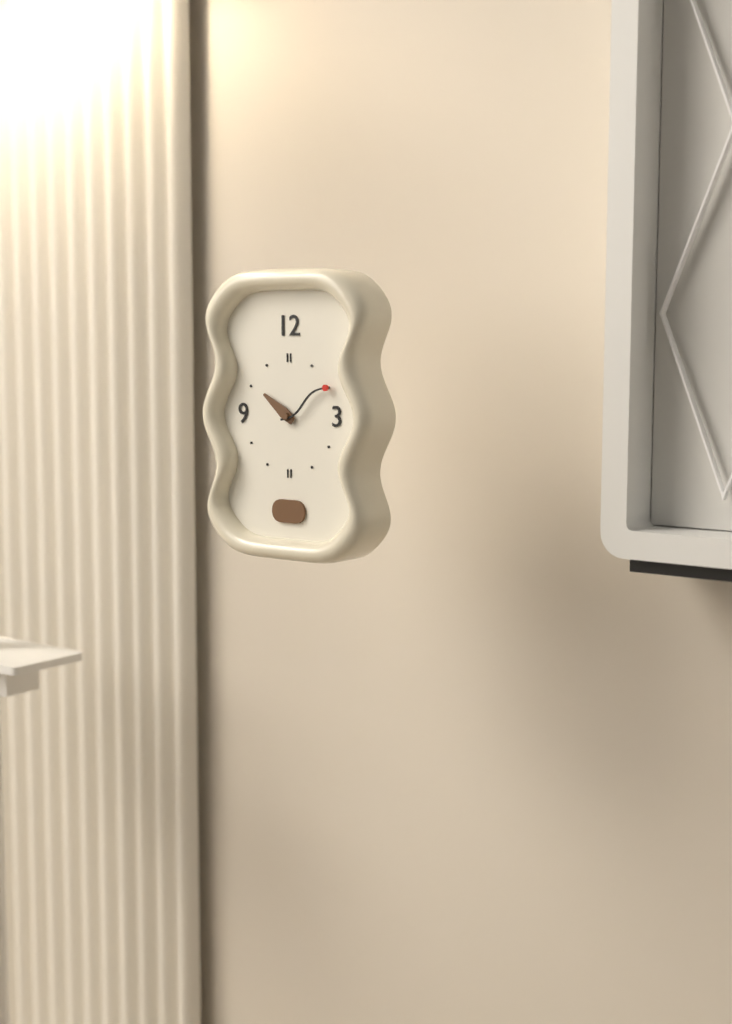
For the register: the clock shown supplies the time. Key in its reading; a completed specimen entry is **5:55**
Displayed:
**10:10**
